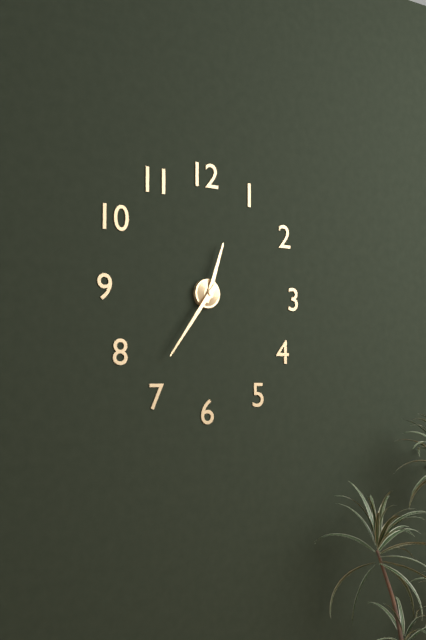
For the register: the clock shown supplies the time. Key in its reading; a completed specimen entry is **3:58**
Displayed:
**12:36**
